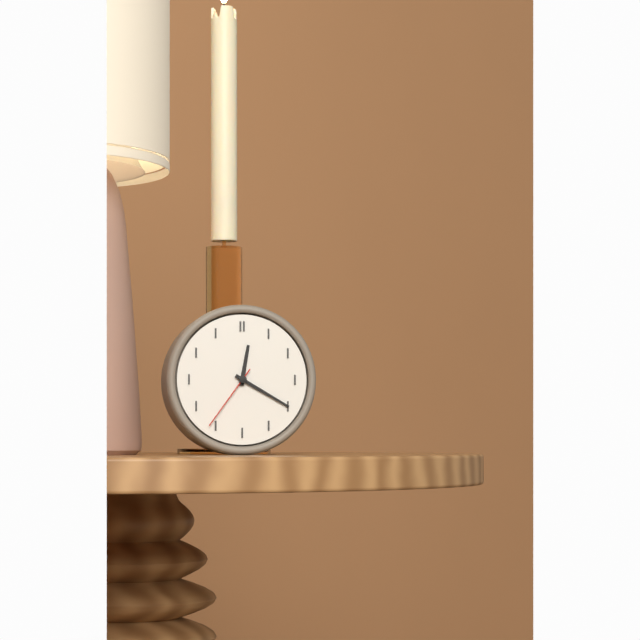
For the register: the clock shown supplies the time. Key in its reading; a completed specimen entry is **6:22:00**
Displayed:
**12:20:36**
